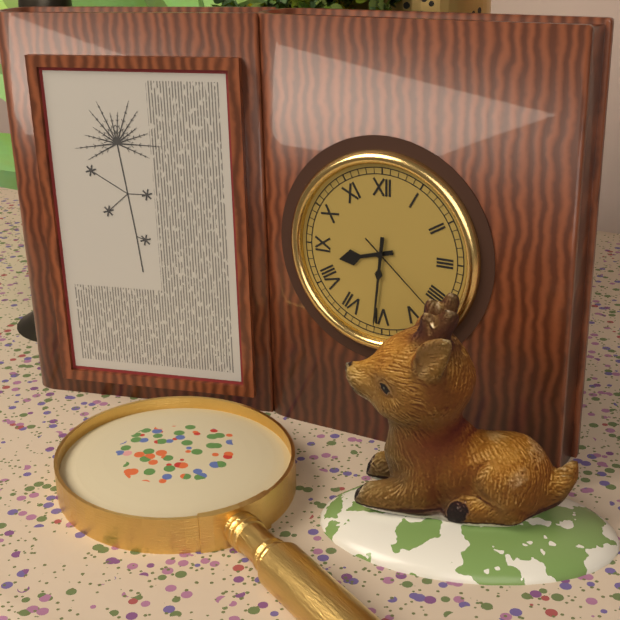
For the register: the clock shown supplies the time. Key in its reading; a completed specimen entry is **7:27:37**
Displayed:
**8:31:22**
